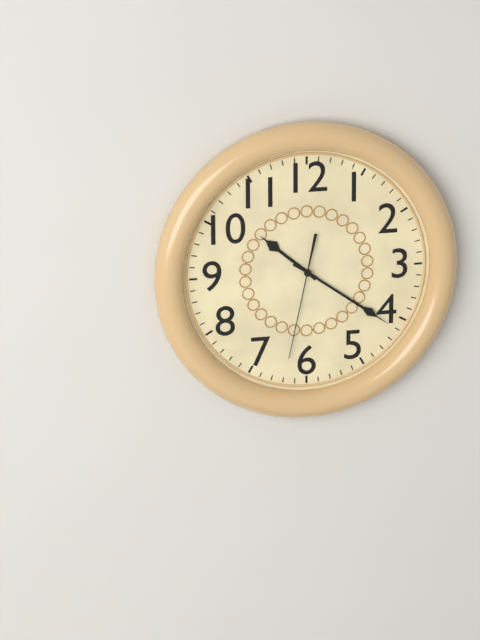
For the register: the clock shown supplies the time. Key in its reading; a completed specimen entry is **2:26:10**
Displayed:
**10:21:32**
